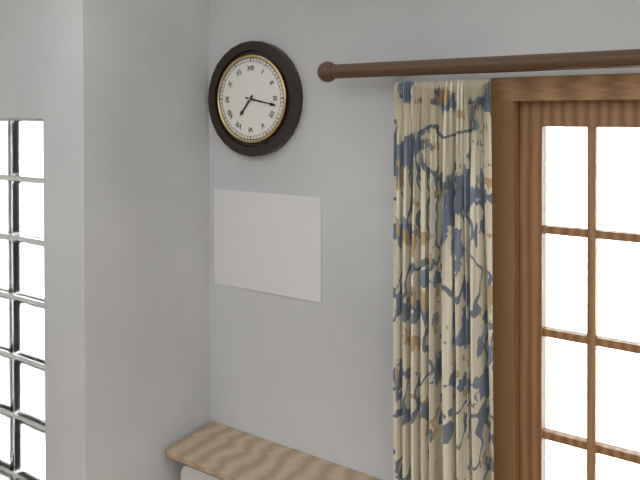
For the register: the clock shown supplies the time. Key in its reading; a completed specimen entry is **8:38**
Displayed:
**7:17**
